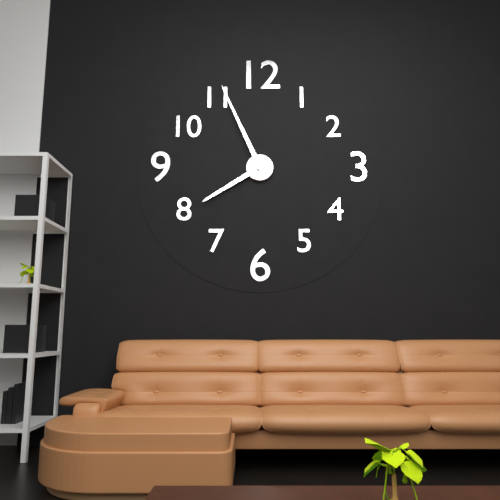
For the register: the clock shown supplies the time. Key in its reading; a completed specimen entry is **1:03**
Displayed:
**7:56**
